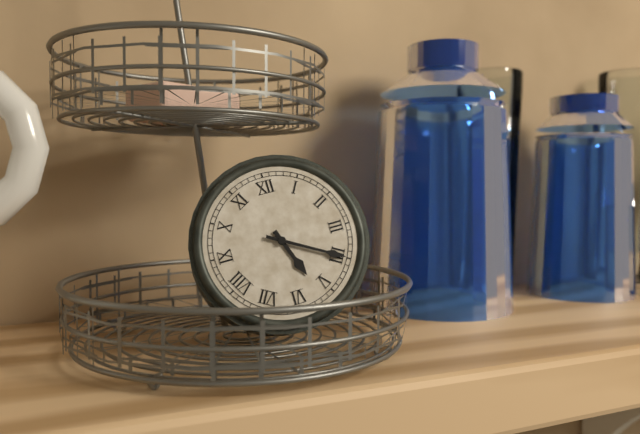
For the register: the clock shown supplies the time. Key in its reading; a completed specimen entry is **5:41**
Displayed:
**5:20**
